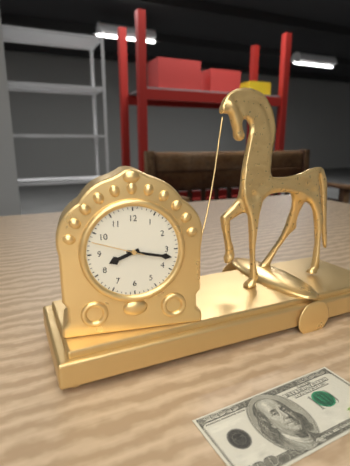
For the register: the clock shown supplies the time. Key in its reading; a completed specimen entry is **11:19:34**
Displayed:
**8:17:48**
